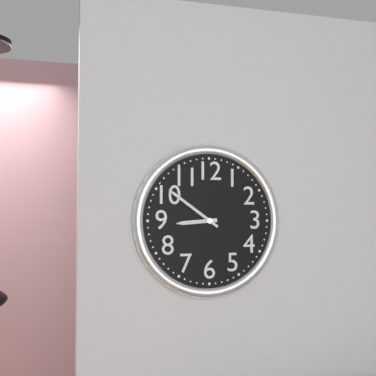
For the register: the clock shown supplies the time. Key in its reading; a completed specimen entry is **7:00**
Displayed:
**8:51**
